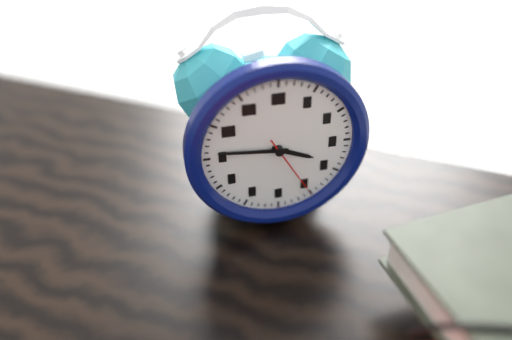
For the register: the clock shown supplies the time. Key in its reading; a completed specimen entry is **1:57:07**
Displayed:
**3:46:25**
